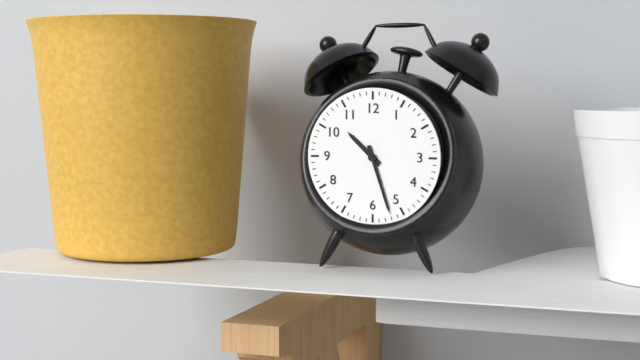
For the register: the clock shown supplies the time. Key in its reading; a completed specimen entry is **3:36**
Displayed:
**10:27**
